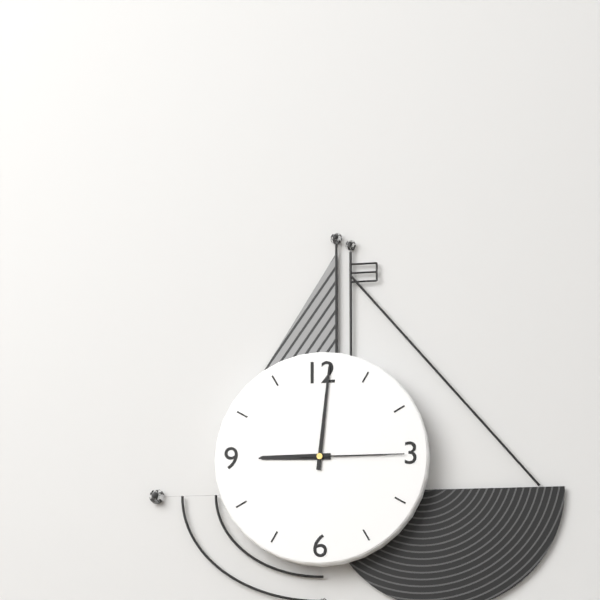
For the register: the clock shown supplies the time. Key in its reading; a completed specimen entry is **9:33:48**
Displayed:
**9:01:15**
